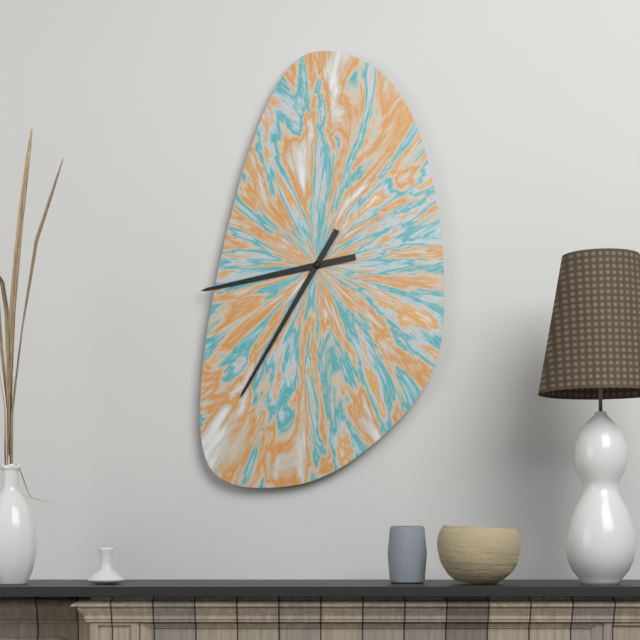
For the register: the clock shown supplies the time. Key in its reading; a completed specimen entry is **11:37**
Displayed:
**8:35**
